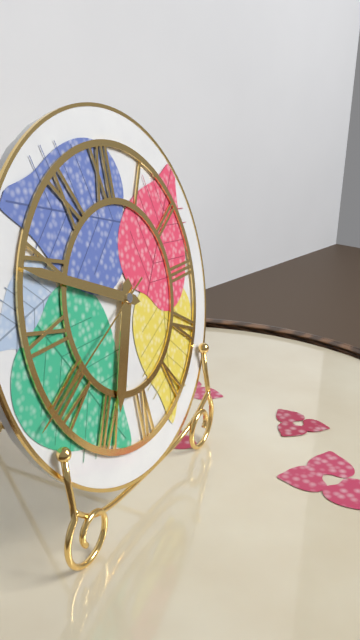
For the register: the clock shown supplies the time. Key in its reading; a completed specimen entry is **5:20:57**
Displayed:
**6:49:41**
